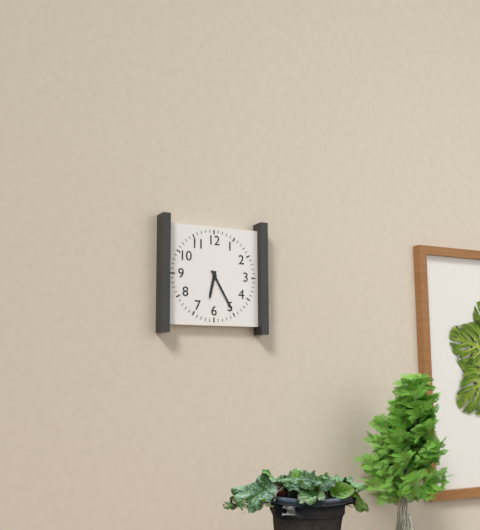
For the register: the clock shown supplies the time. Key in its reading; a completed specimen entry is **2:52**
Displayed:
**6:25**
